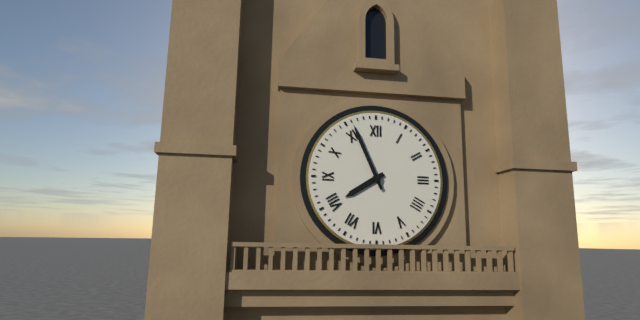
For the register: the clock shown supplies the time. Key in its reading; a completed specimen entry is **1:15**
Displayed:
**7:56**
